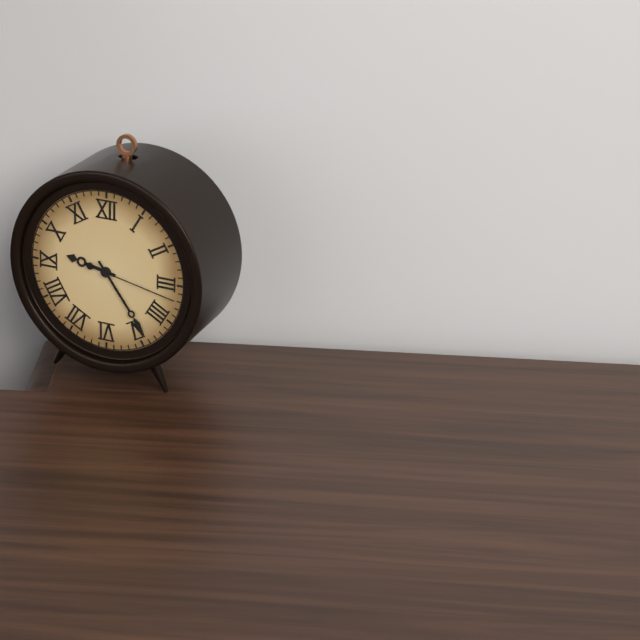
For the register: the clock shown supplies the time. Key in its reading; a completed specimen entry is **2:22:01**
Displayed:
**9:24:17**
